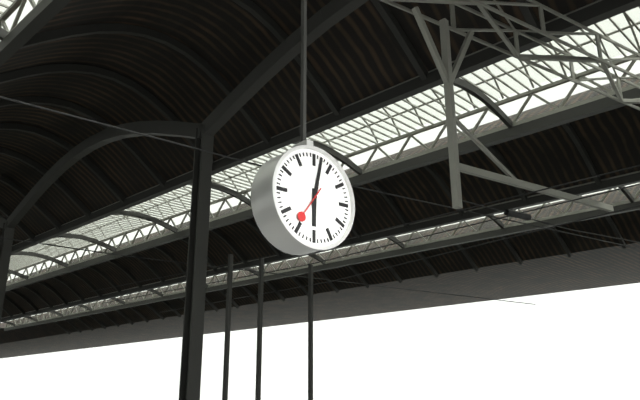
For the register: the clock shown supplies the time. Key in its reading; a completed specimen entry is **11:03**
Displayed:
**6:02**
